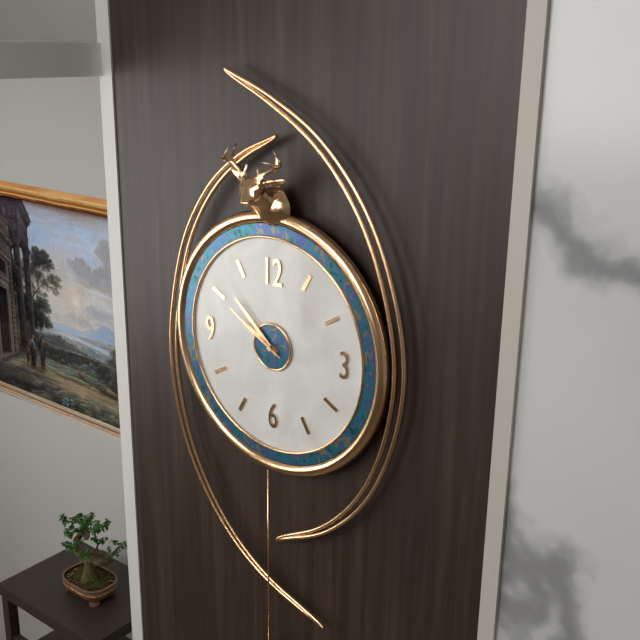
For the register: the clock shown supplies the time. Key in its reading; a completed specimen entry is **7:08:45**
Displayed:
**9:52:50**
